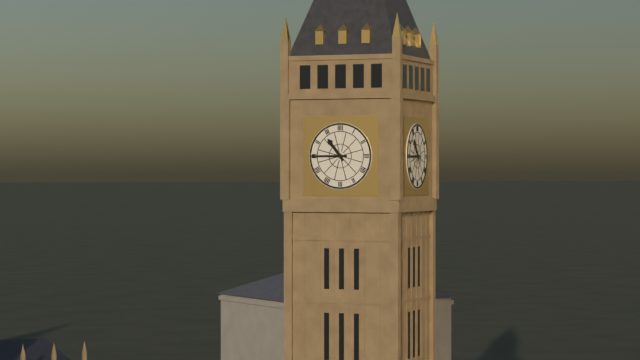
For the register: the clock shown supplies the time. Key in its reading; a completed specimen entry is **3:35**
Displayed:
**10:45**
